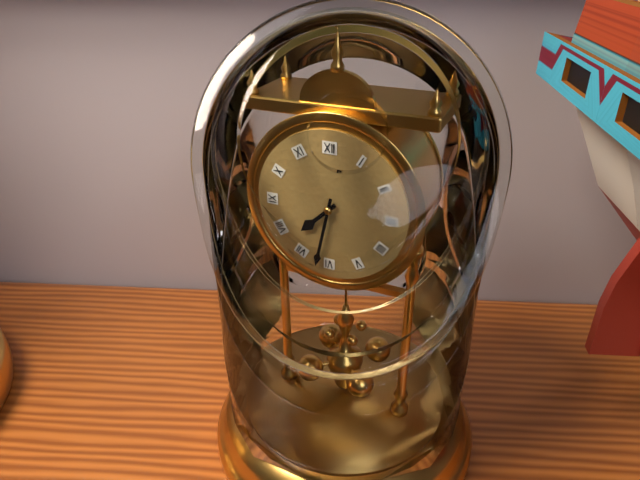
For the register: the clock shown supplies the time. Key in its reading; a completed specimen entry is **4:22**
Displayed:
**7:32**
